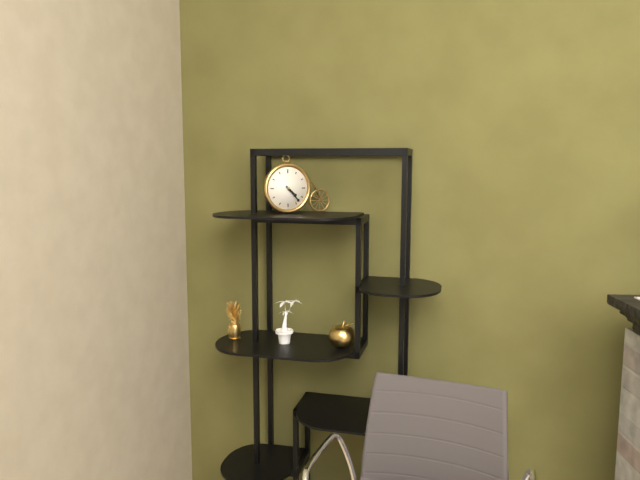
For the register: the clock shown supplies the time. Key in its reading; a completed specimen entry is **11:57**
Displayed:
**4:23**
